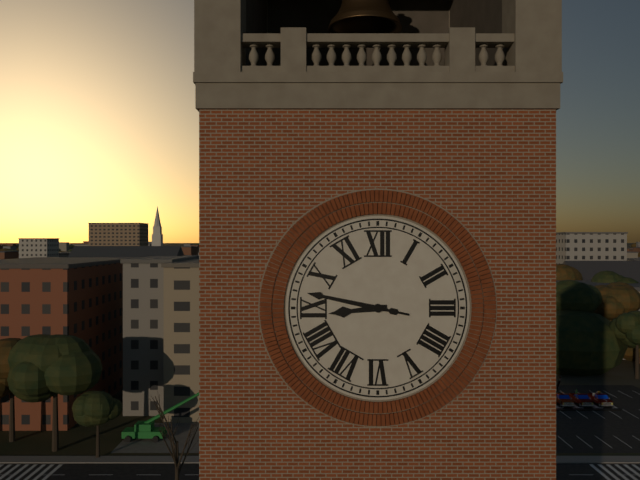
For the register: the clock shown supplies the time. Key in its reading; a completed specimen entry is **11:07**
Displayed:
**8:47**
